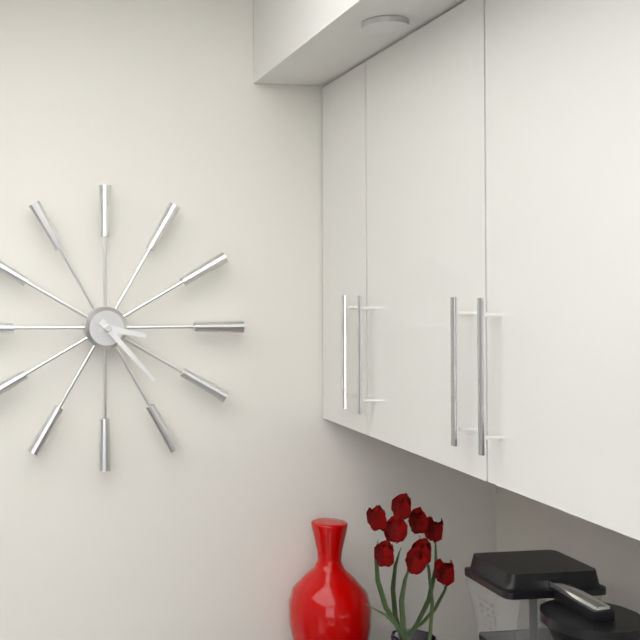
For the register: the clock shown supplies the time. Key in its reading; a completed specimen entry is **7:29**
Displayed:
**3:23**
